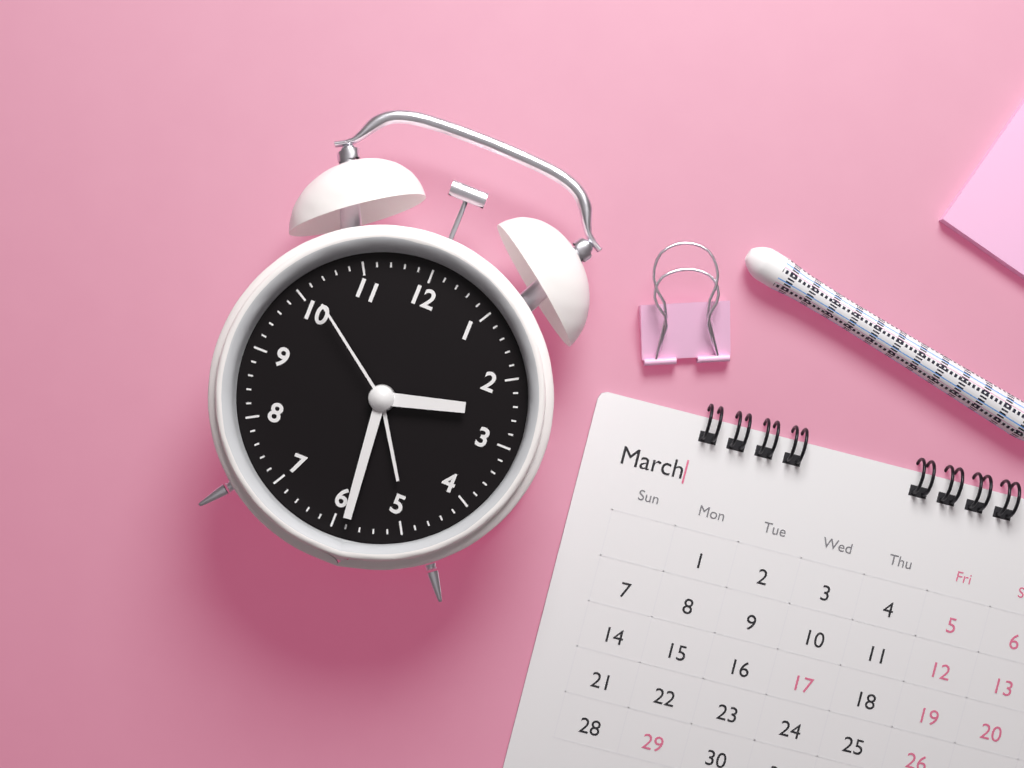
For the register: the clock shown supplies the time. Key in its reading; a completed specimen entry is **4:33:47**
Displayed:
**2:29:51**
